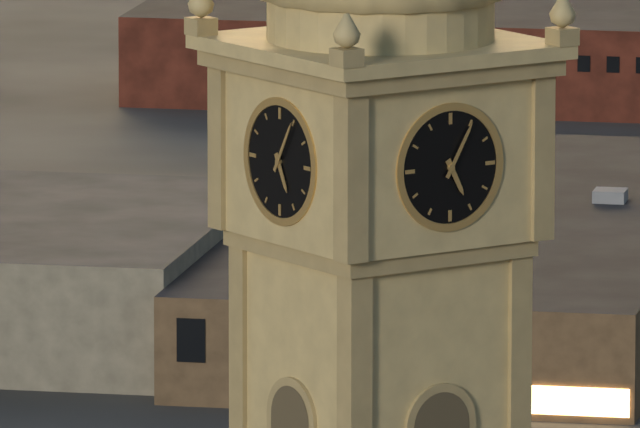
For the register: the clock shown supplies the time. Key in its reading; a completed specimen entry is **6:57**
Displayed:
**5:05**
